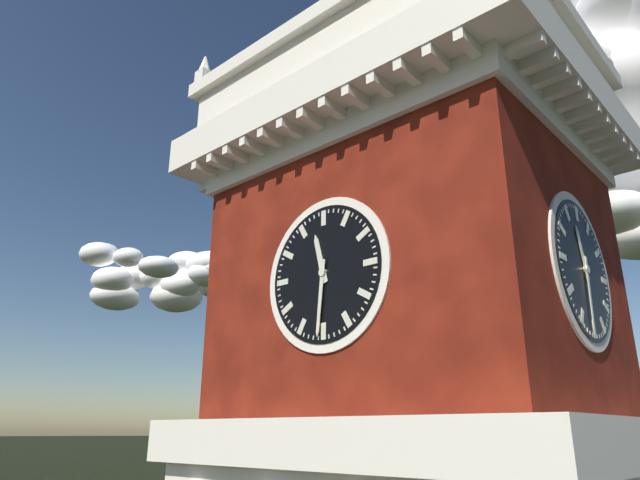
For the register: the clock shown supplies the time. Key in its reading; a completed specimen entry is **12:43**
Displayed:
**11:31**
